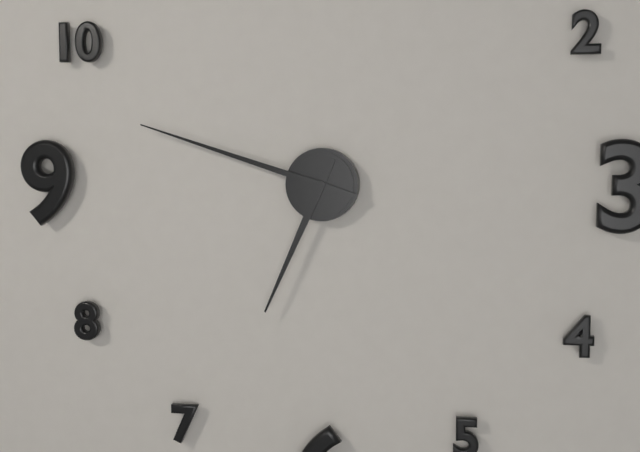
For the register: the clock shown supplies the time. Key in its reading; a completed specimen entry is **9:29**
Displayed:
**6:48**
